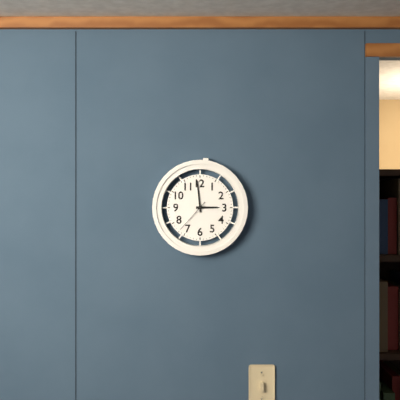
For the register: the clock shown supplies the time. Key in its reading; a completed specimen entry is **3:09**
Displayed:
**2:59**
